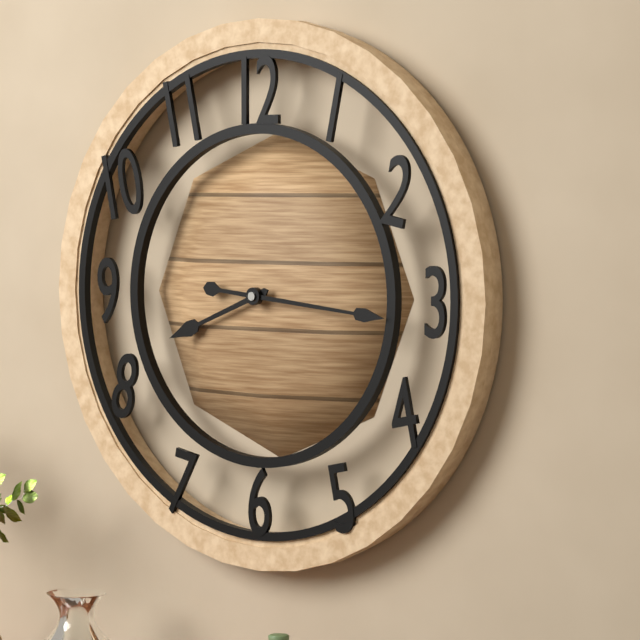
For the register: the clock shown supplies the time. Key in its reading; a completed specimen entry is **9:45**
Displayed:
**8:16**
